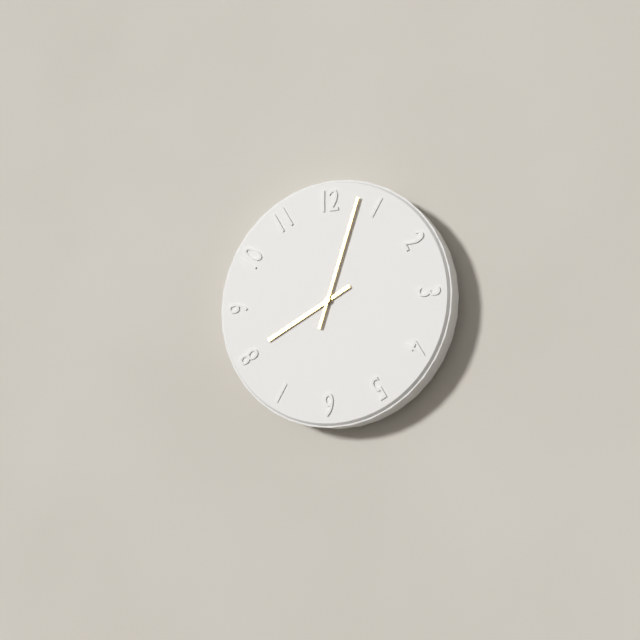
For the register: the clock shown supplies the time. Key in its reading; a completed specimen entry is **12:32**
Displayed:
**8:03**
